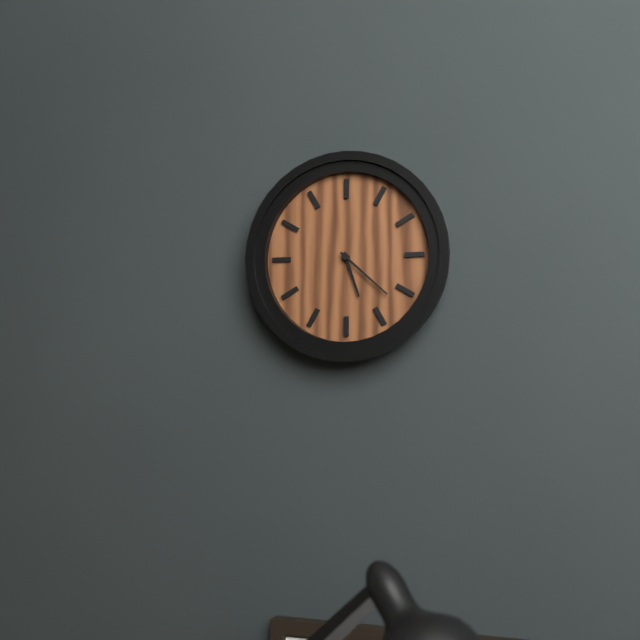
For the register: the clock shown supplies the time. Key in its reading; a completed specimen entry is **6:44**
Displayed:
**5:22**
